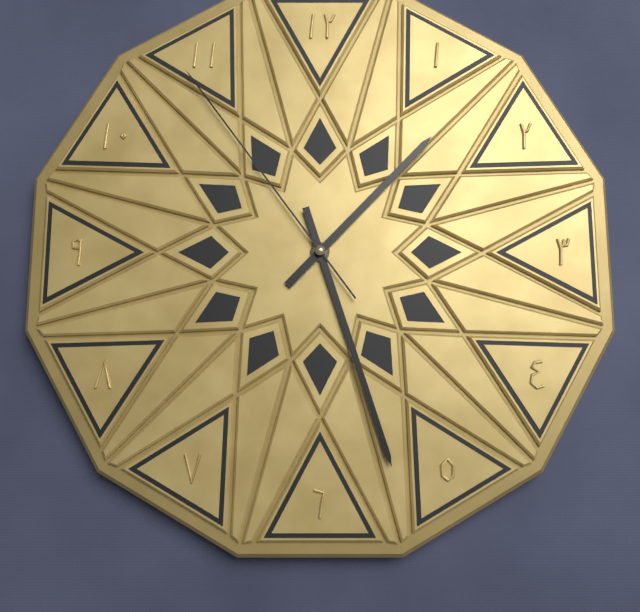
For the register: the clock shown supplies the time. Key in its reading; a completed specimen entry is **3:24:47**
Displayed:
**1:27:54**
